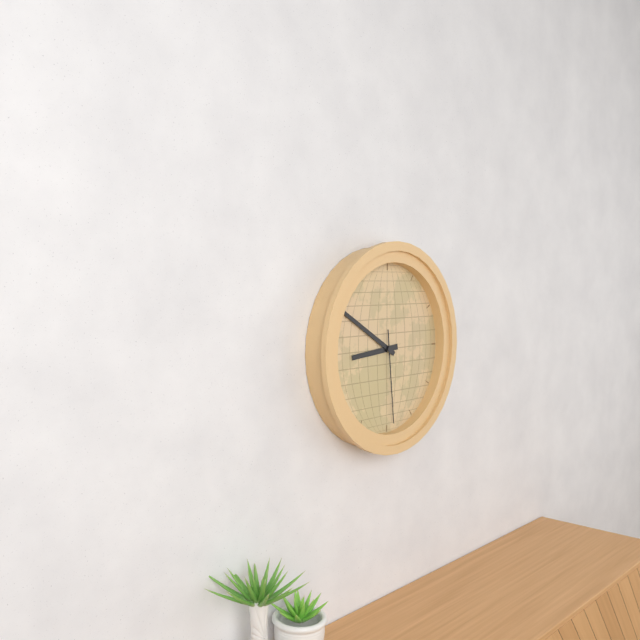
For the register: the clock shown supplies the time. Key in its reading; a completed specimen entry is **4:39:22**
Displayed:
**8:50:29**
